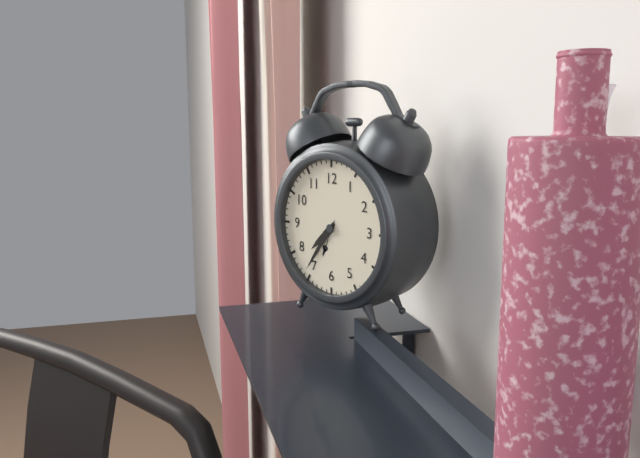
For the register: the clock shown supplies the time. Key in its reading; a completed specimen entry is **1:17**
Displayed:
**7:36**
